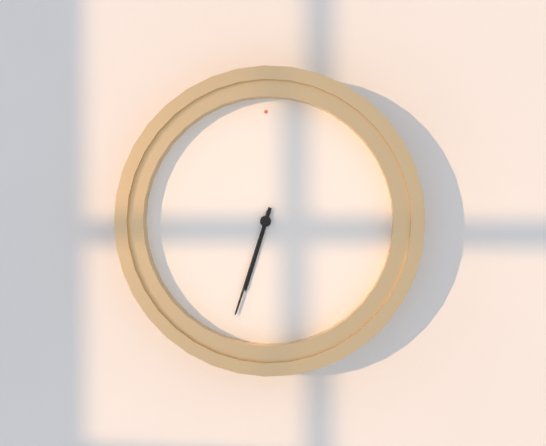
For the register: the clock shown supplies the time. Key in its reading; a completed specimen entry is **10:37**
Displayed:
**6:33**
